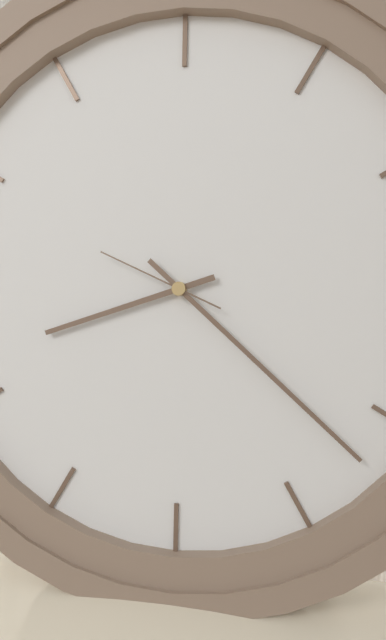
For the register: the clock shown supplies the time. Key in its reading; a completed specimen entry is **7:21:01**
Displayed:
**8:22:49**
